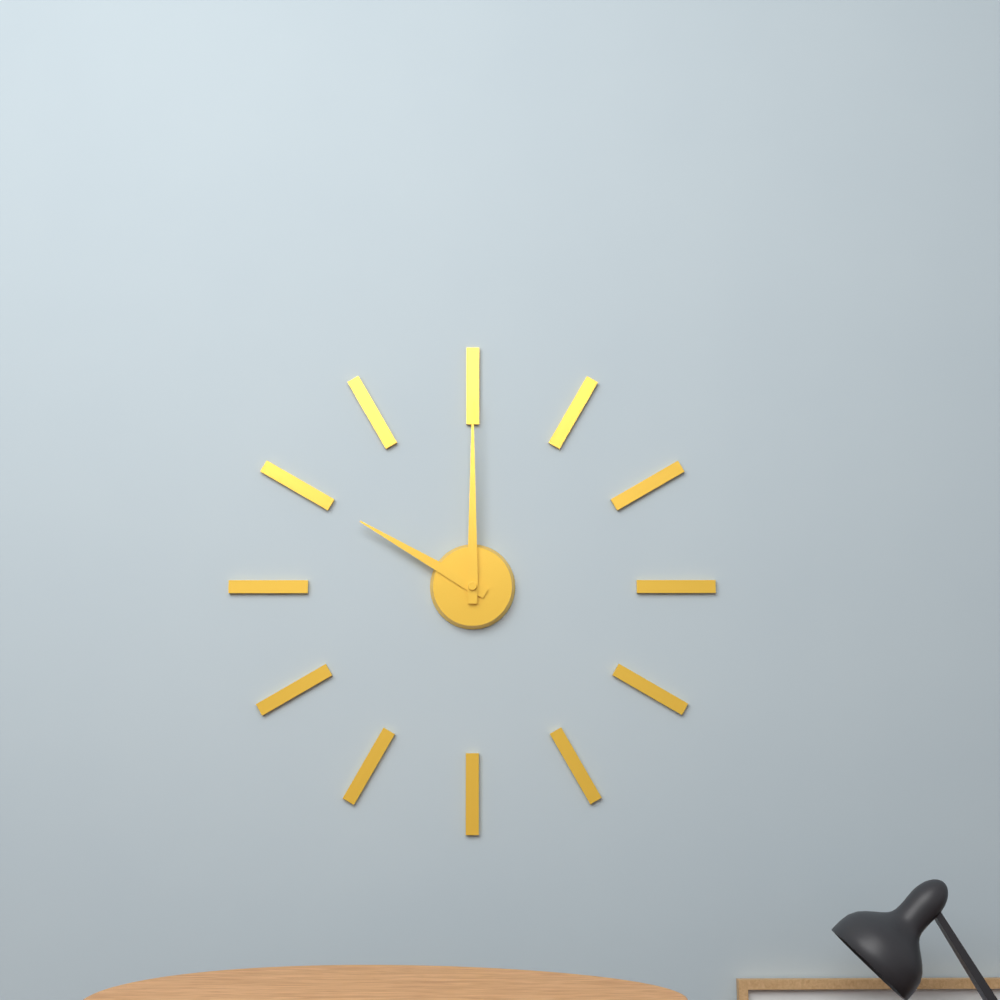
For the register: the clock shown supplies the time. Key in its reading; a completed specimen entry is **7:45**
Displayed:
**10:00**
